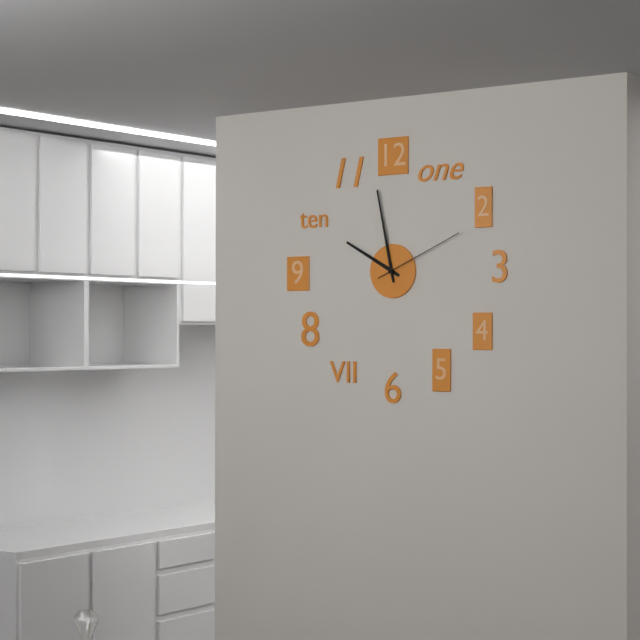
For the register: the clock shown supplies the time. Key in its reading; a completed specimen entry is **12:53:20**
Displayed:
**9:58:11**
